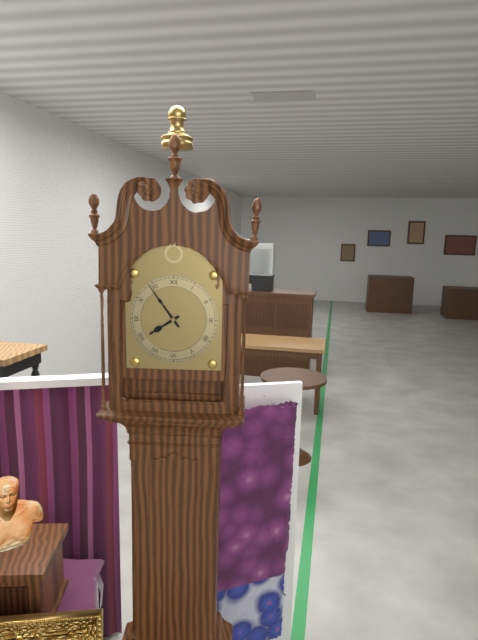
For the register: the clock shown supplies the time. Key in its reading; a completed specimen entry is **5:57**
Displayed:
**7:54**
